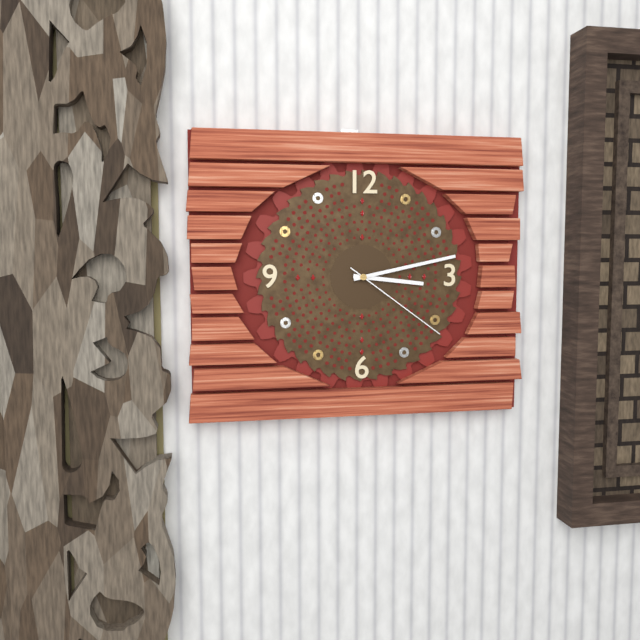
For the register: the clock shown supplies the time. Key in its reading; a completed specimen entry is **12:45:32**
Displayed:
**3:13:21**
